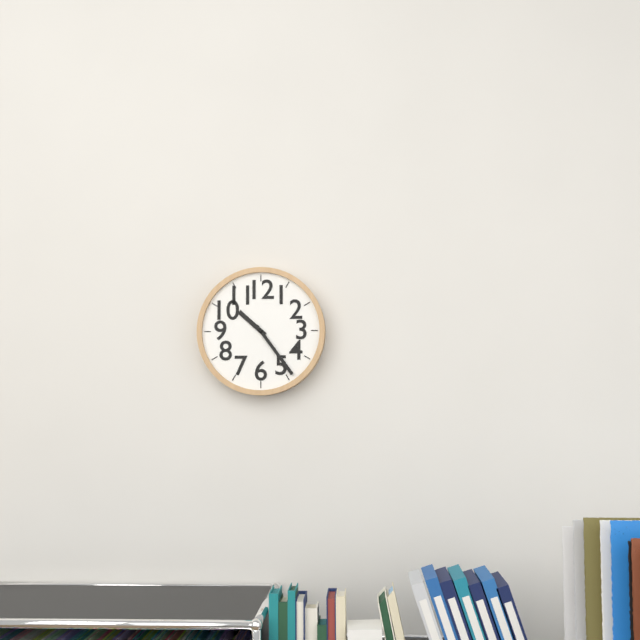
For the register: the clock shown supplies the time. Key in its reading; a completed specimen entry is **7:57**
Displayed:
**10:24**
